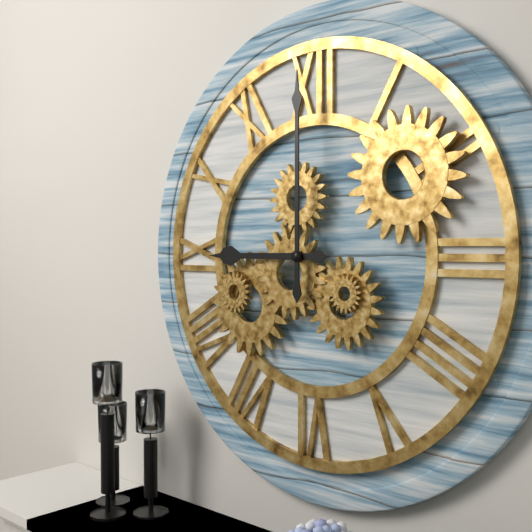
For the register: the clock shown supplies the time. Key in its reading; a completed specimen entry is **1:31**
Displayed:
**9:00**
